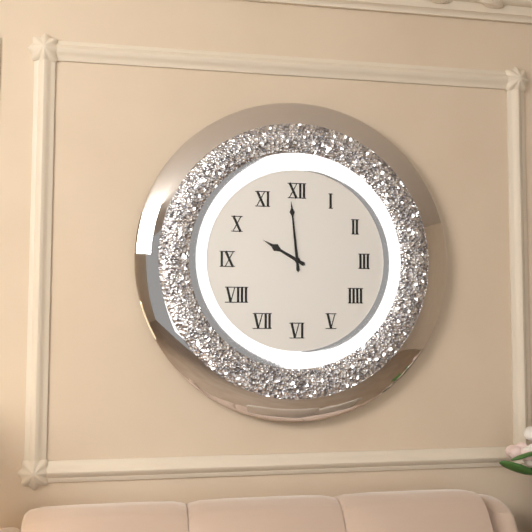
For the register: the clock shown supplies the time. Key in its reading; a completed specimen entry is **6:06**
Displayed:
**9:59**
